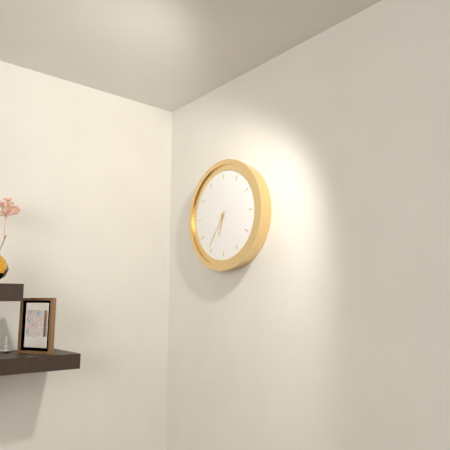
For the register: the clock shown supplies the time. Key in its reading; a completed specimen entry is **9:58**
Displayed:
**6:36**
